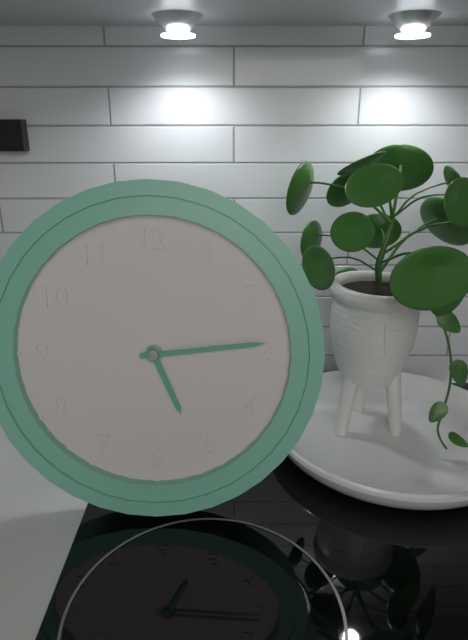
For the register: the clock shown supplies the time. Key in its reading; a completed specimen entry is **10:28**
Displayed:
**5:14**
